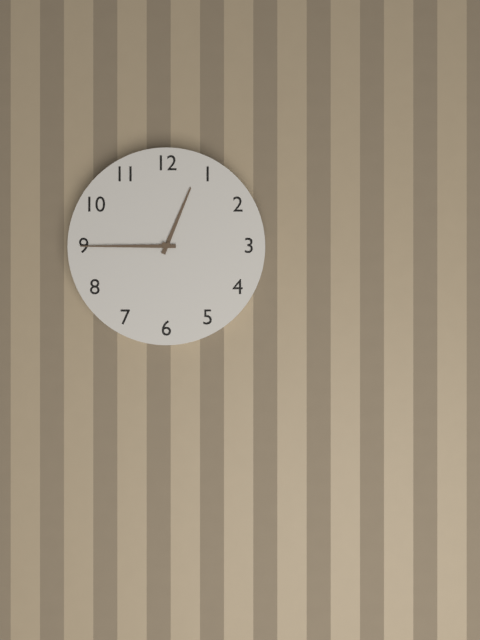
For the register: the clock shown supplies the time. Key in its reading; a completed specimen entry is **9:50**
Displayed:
**12:45**
